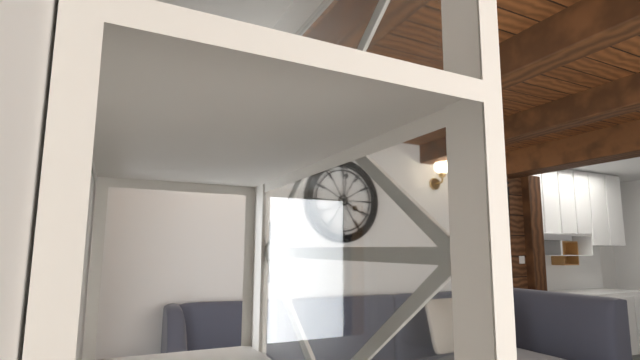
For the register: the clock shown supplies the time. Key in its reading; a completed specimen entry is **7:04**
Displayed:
**4:01**
